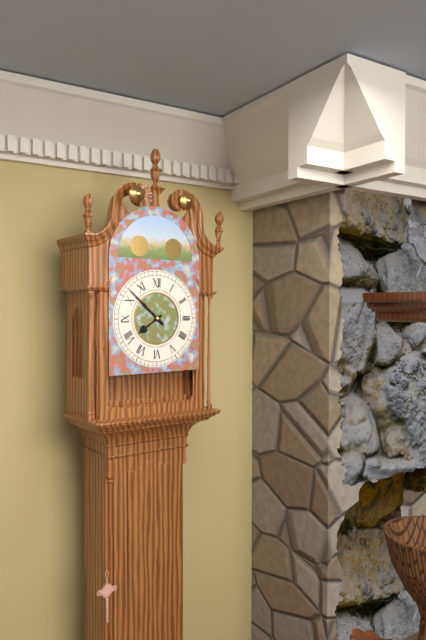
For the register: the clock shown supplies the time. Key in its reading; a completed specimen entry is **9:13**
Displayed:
**7:52**
